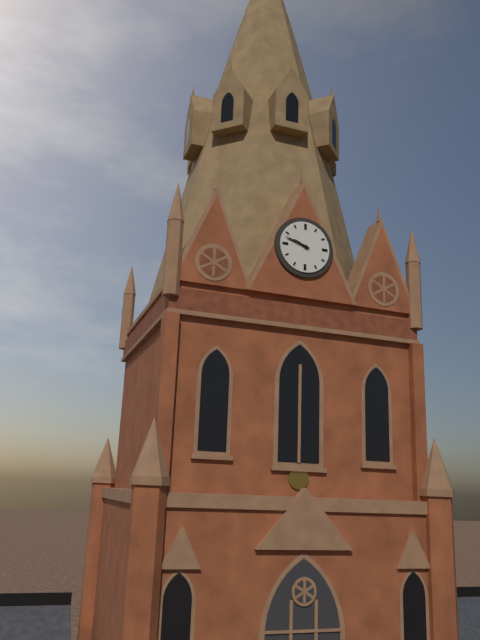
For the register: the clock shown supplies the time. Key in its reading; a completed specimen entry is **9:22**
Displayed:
**9:48**
